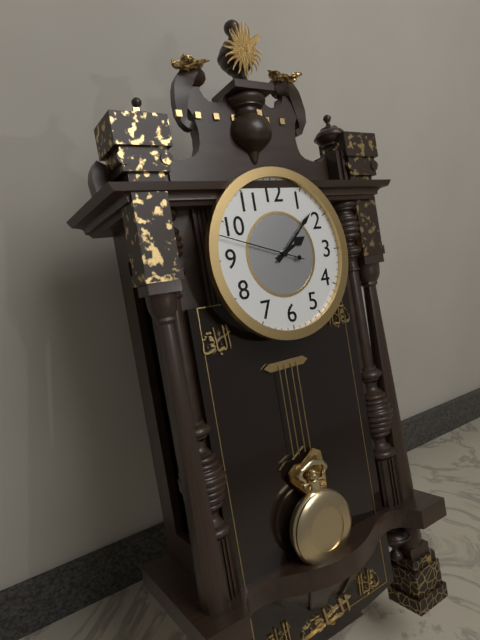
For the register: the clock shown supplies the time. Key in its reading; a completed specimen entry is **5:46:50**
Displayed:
**2:08:48**
